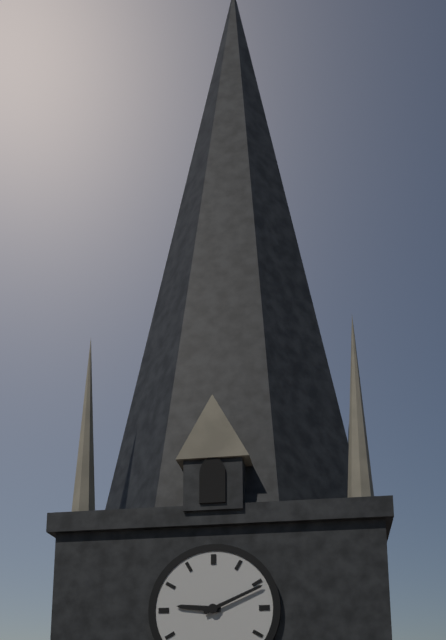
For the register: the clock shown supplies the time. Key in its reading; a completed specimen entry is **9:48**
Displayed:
**9:11**
